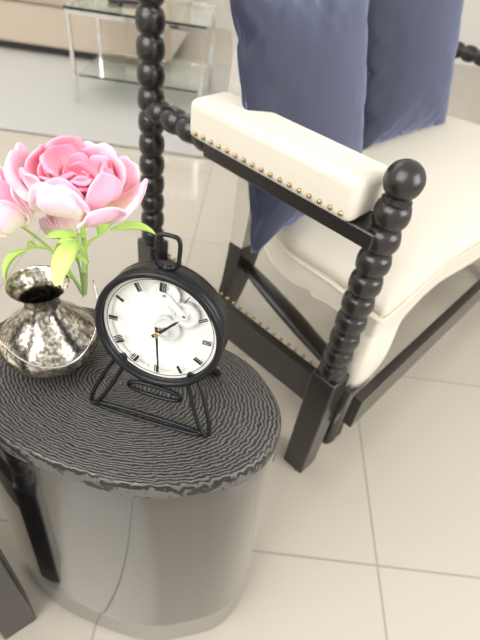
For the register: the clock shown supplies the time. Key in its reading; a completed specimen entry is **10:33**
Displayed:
**1:29**
